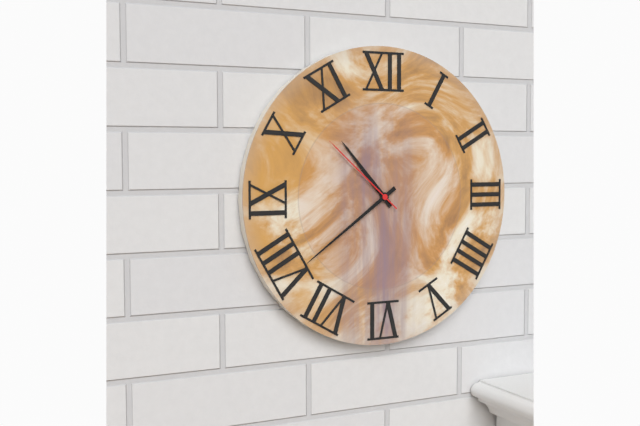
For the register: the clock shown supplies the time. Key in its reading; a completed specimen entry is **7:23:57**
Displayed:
**10:39:52**
